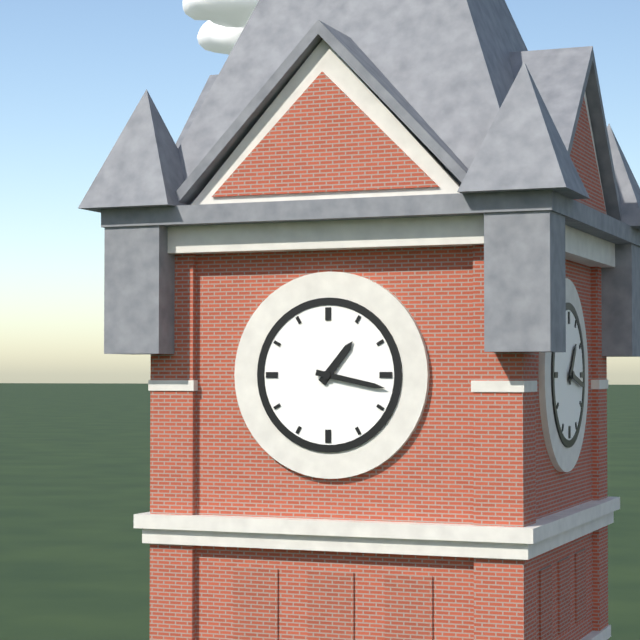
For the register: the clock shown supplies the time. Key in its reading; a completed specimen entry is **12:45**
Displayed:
**1:17**
